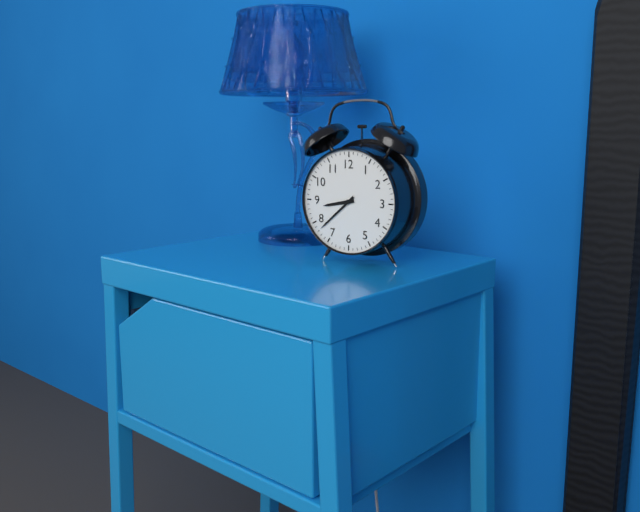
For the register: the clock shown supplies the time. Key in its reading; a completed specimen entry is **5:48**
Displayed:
**8:38**
